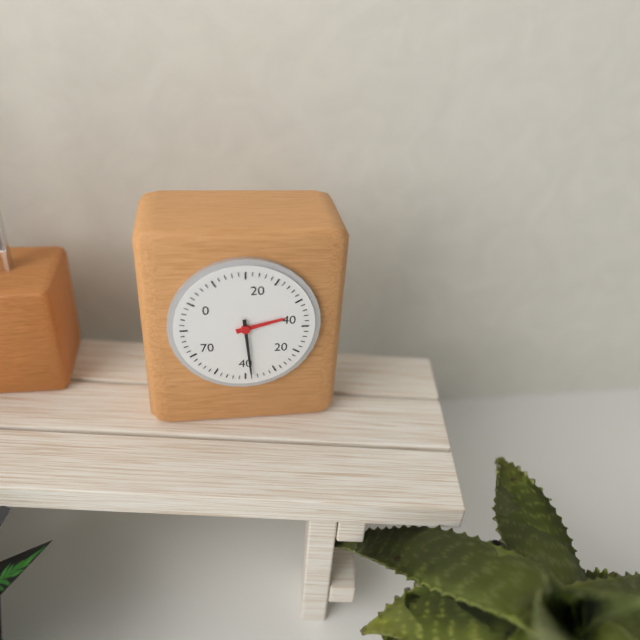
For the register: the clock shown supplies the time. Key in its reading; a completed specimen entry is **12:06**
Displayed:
**2:29**
